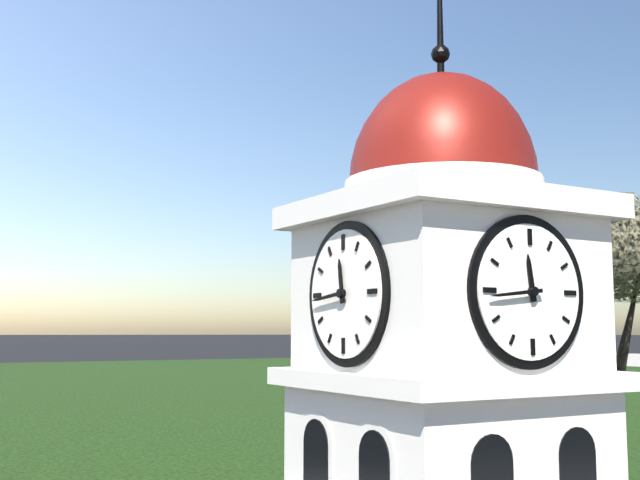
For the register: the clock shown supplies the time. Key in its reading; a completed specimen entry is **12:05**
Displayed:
**11:44**
